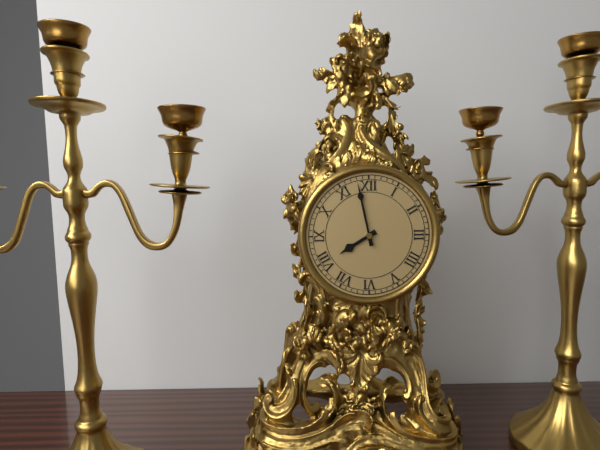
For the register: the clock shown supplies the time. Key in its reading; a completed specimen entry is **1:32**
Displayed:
**7:58**
